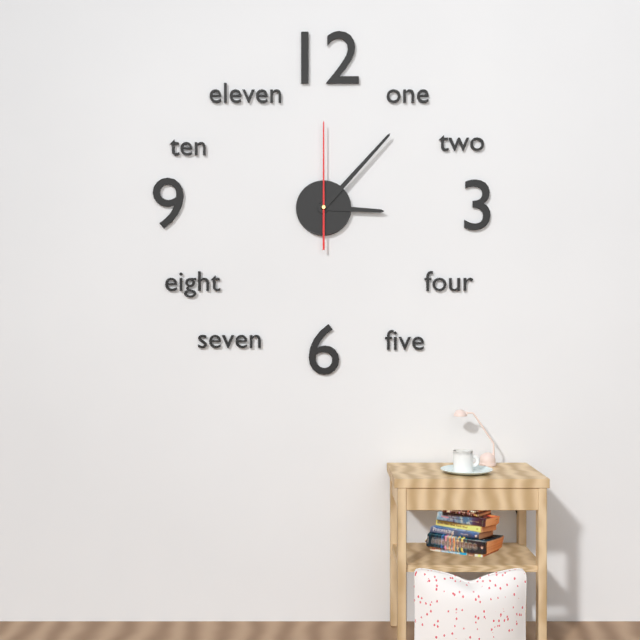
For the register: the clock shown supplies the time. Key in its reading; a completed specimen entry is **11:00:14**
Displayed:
**3:07:00**
